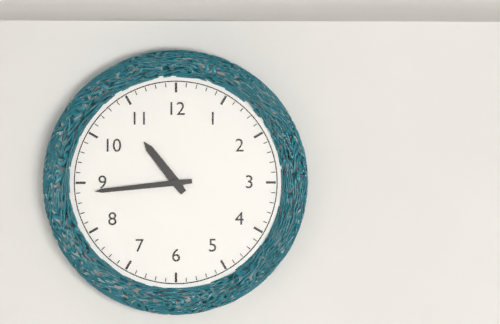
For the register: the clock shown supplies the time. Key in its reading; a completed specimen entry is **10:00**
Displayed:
**10:44**
